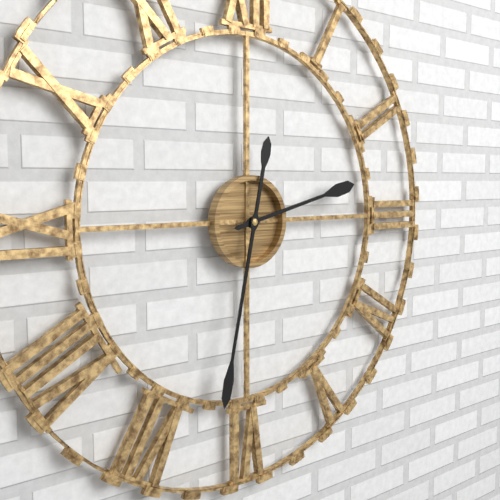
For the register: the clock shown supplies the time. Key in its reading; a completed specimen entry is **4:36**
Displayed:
**2:32**
